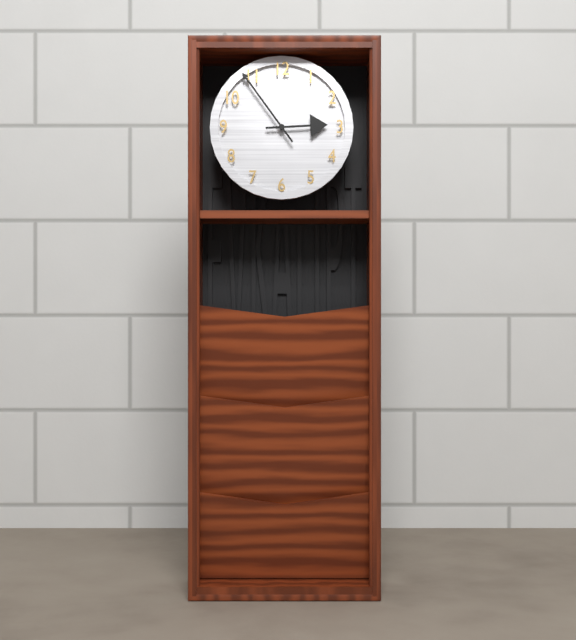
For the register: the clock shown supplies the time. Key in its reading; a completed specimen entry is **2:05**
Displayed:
**2:54**
